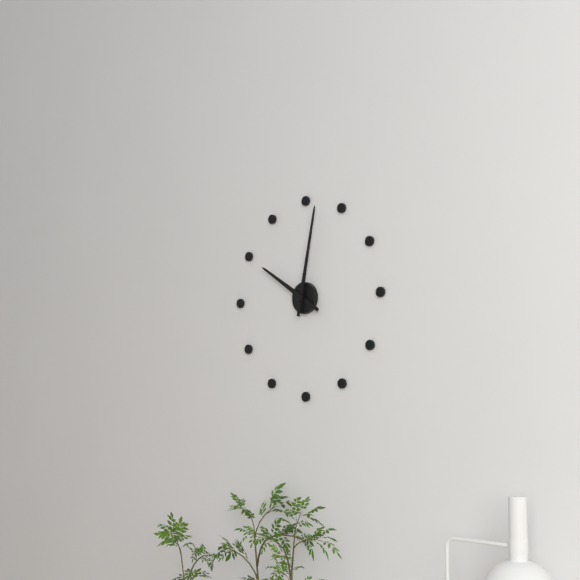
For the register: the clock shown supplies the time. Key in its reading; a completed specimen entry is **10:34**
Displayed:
**10:02**
